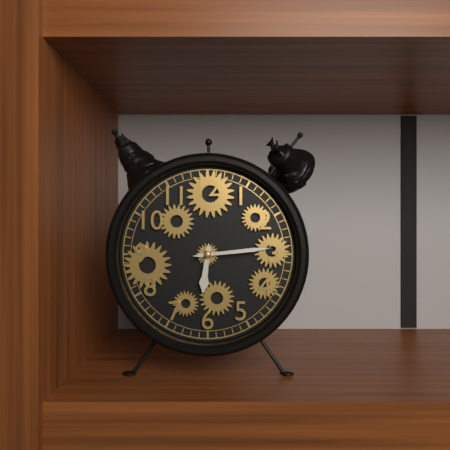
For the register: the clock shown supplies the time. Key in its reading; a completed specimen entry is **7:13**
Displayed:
**6:14**
